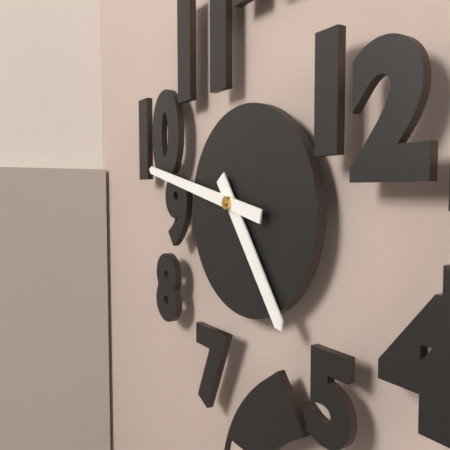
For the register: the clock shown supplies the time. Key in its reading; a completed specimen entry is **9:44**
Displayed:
**4:47**
